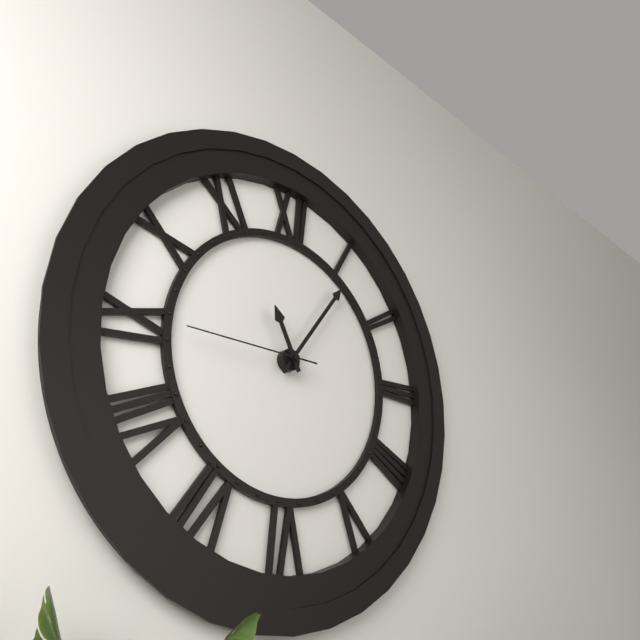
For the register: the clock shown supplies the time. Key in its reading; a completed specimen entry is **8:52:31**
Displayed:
**11:06:45**
